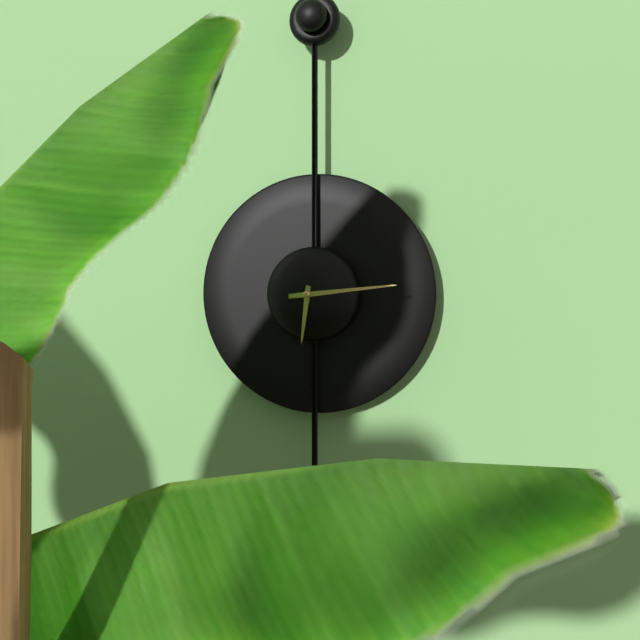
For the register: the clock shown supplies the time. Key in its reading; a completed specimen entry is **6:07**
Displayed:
**6:14**
